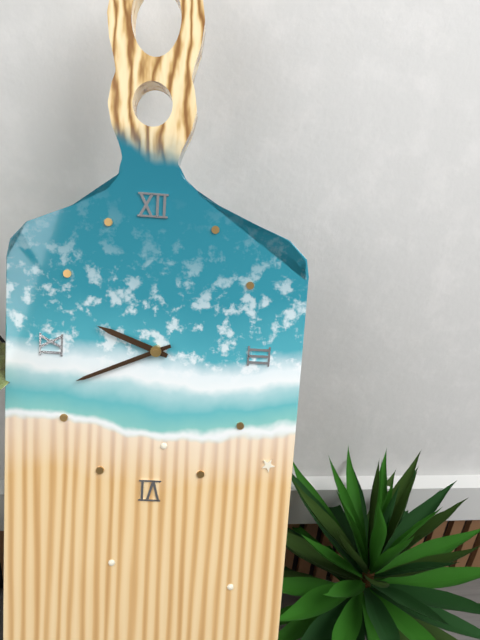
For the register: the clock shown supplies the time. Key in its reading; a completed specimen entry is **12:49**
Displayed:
**9:41**
